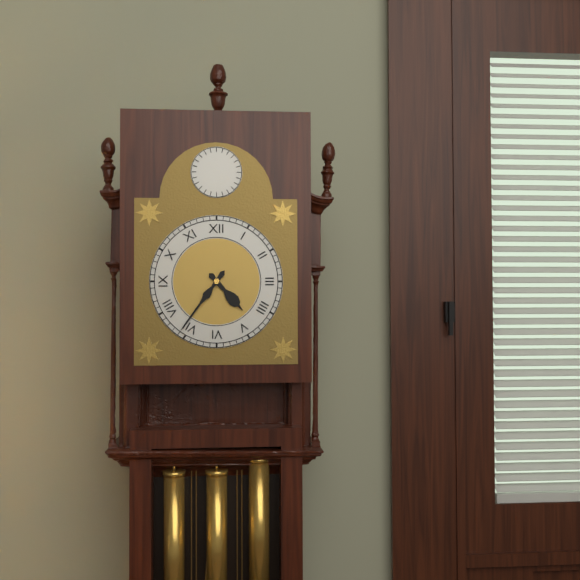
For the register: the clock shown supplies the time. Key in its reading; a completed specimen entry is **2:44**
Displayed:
**4:36**
